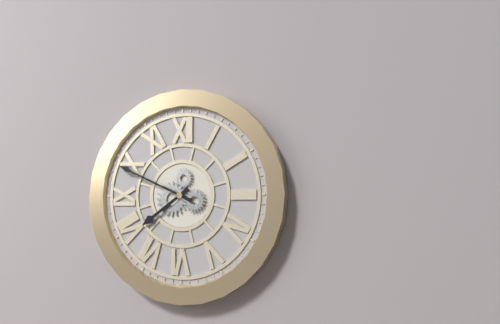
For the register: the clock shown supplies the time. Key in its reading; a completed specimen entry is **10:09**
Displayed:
**7:49**
